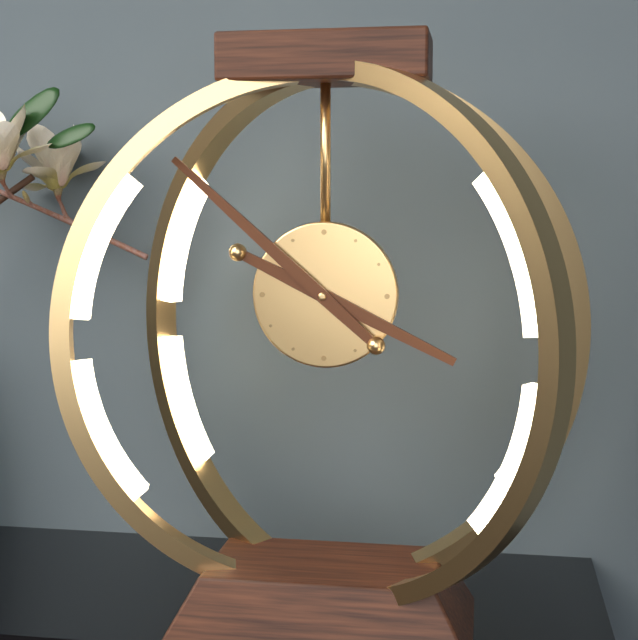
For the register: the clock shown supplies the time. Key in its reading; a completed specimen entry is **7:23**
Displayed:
**3:52**
